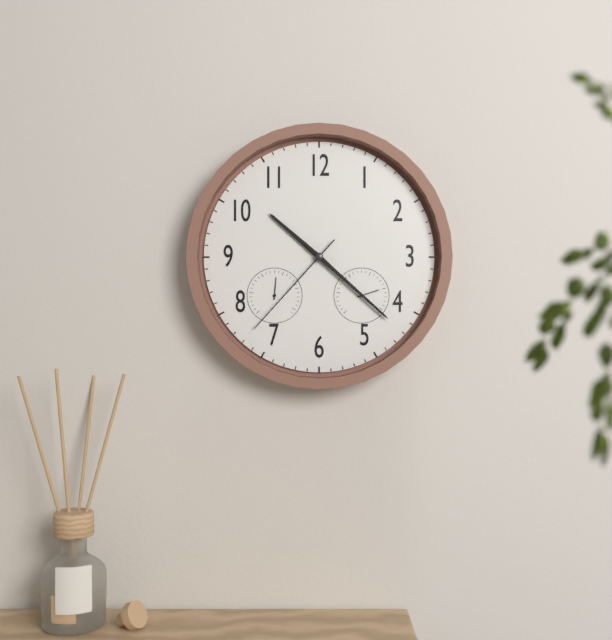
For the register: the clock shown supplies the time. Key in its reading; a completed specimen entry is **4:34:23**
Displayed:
**10:22:37**
